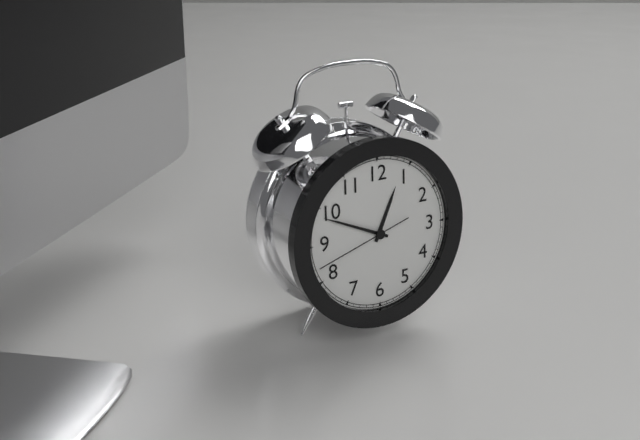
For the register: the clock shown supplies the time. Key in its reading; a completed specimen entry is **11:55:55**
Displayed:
**12:49:42**
